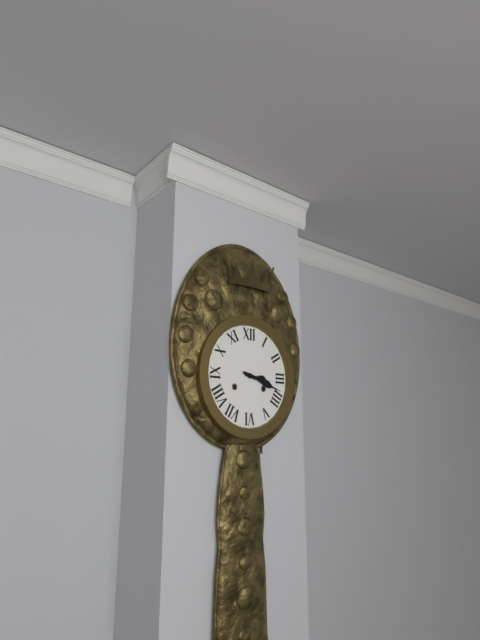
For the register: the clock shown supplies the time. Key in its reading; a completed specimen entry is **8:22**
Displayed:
**3:18**
